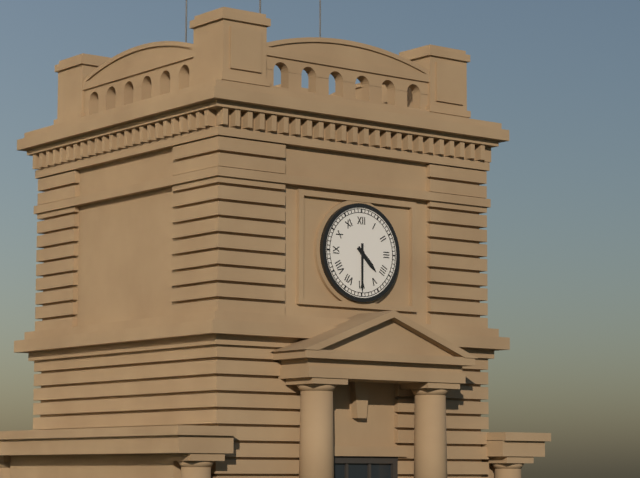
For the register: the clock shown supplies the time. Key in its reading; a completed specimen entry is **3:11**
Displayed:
**4:30**
